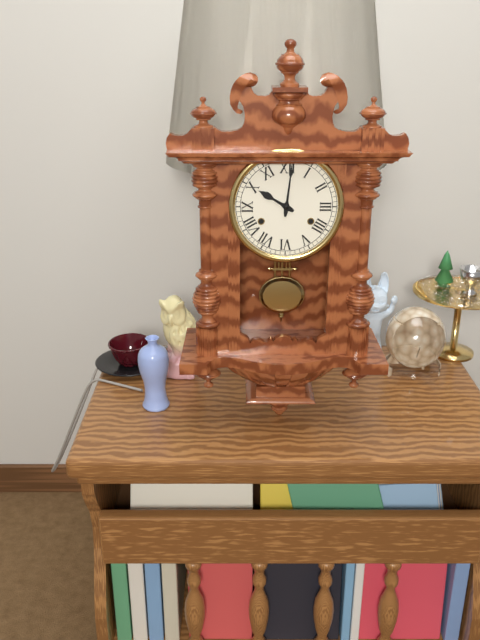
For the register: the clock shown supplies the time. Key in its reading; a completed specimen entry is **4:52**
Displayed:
**10:01**
